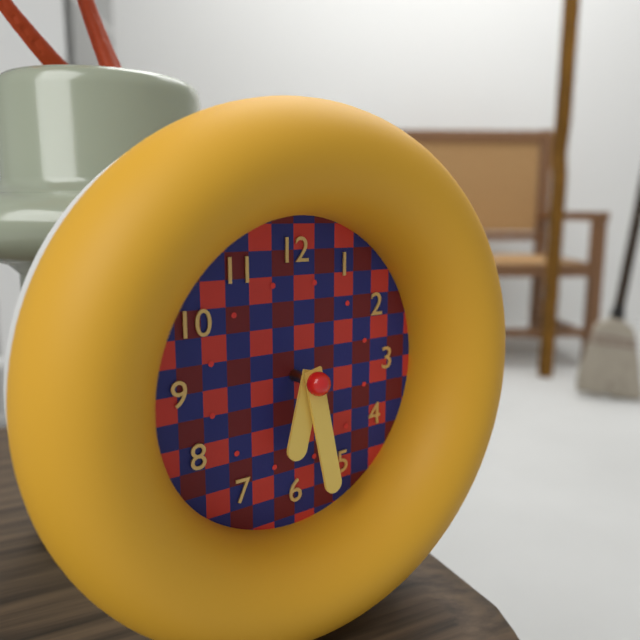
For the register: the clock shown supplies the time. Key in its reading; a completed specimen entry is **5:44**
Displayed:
**6:28**
